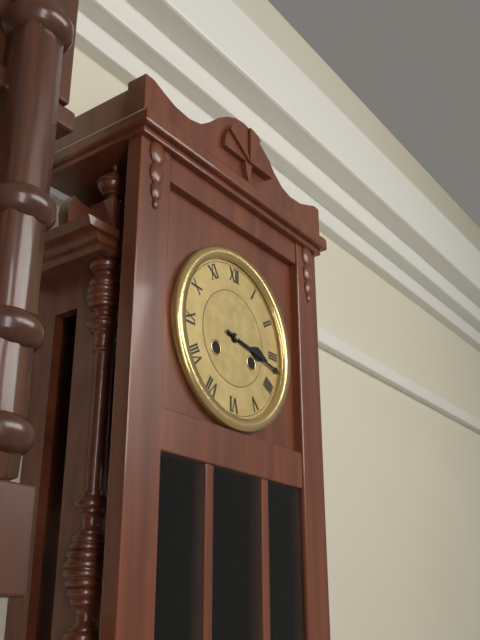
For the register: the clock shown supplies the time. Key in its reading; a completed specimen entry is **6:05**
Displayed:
**3:17**
